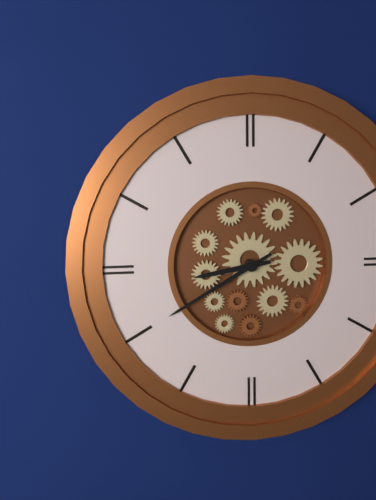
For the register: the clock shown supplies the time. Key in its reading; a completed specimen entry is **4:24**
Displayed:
**8:40**
